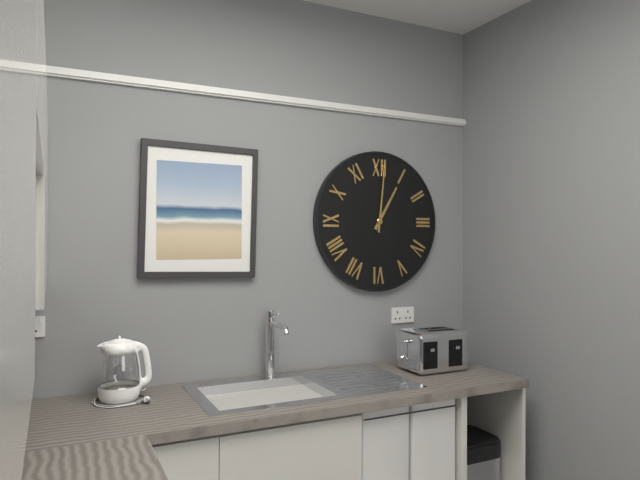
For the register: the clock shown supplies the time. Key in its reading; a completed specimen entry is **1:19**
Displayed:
**1:01**
